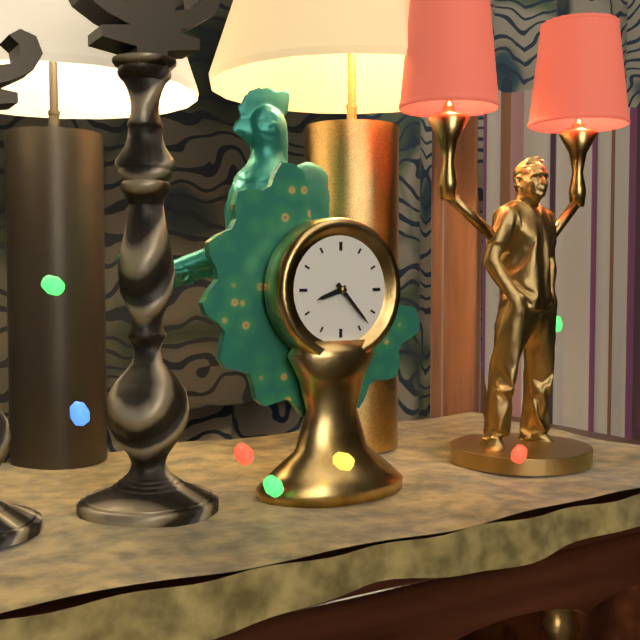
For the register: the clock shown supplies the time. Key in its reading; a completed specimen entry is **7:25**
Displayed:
**8:23**
